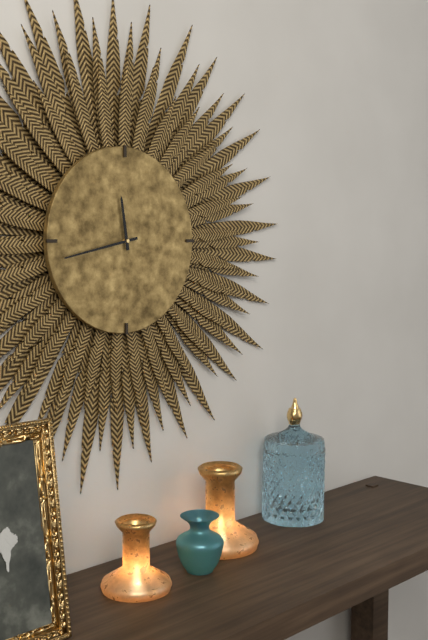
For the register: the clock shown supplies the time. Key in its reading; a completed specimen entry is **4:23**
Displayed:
**11:43**
